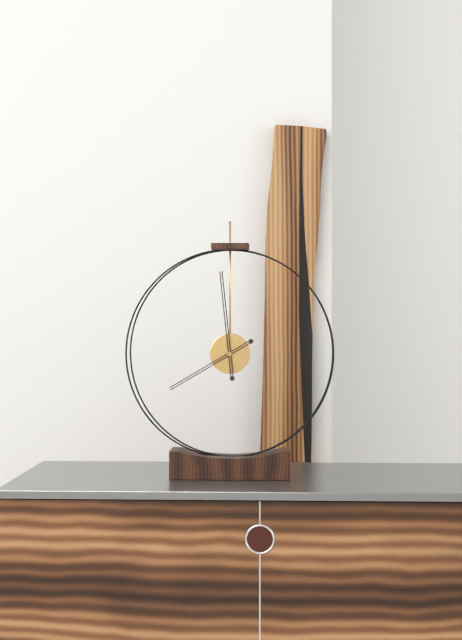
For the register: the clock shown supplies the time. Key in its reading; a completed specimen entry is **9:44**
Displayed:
**7:59**
